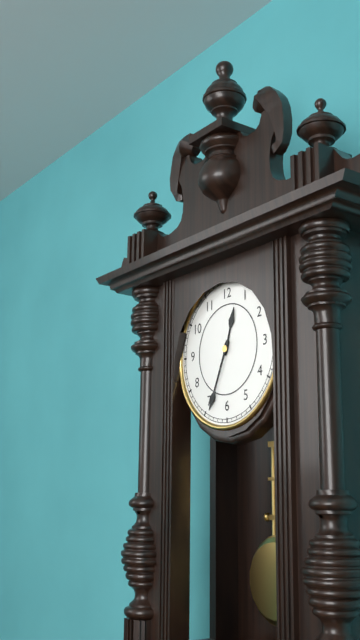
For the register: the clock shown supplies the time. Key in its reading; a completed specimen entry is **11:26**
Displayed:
**12:34**
